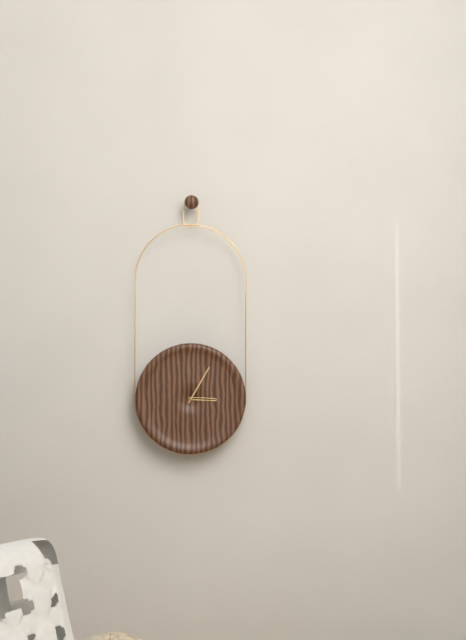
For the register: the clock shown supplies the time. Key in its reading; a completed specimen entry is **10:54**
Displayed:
**3:05**
